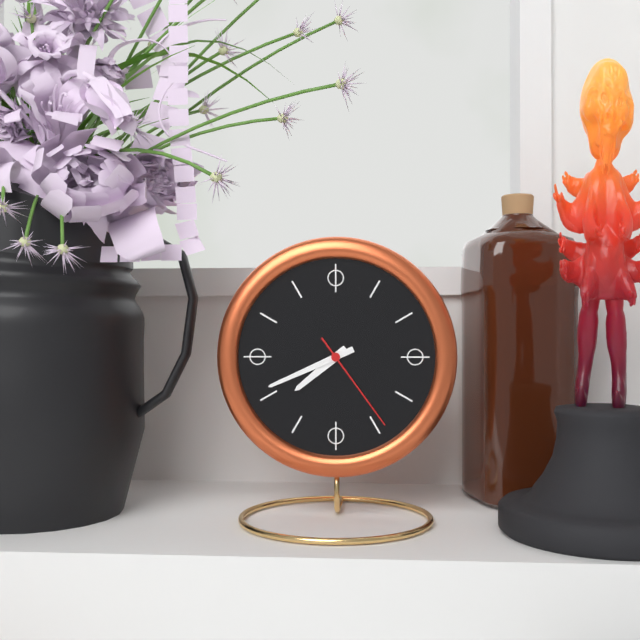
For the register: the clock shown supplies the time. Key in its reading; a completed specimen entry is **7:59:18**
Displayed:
**7:41:24**
